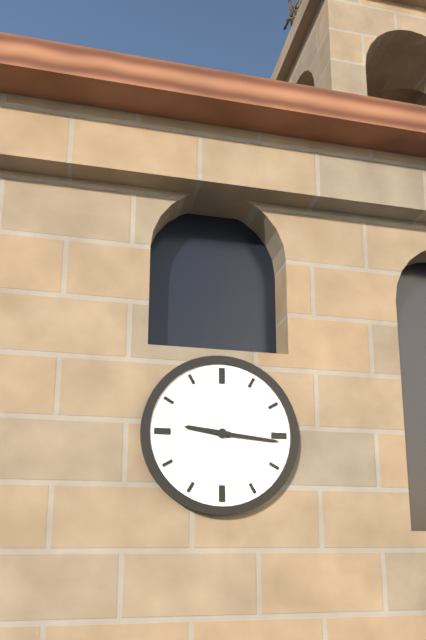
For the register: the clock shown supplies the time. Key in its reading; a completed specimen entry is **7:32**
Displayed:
**9:16**
